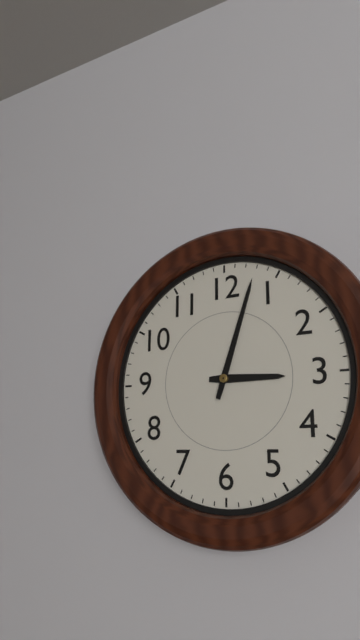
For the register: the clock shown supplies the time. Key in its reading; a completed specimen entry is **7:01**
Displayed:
**3:03**
